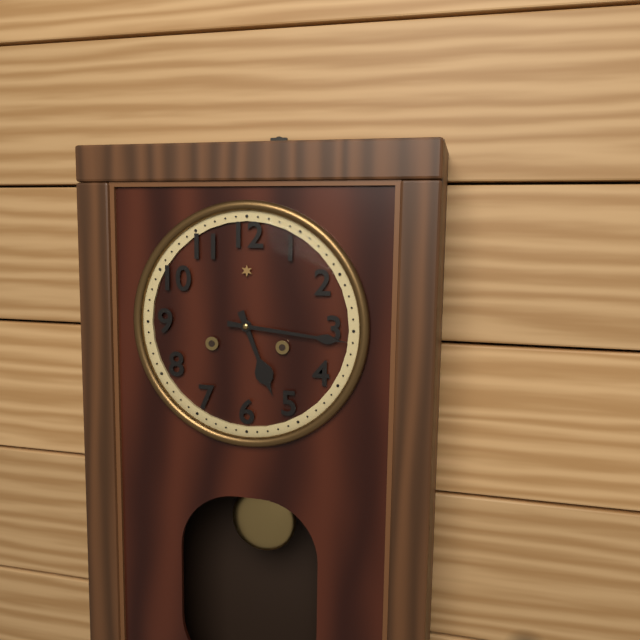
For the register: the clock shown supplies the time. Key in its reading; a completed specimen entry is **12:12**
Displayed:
**5:16**
